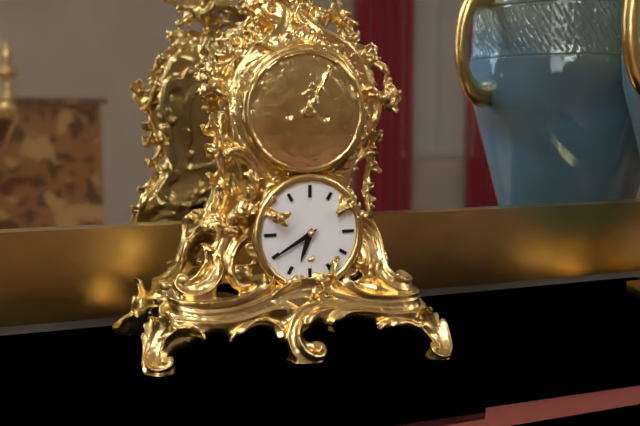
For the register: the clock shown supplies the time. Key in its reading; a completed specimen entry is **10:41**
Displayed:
**6:40**
